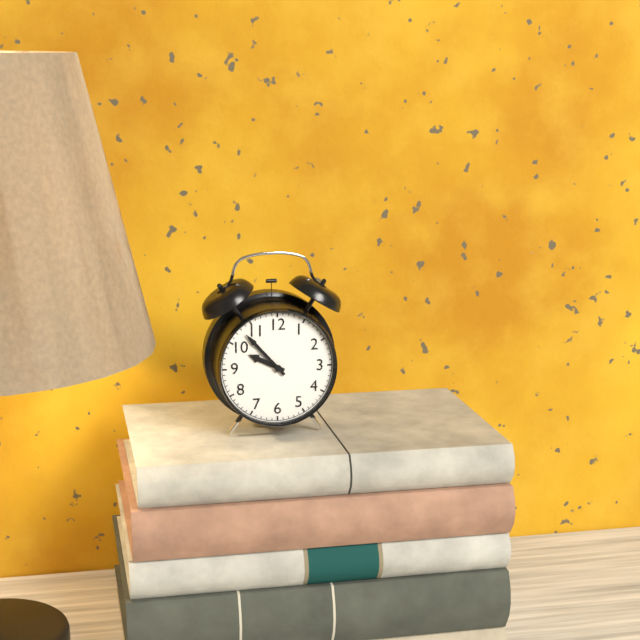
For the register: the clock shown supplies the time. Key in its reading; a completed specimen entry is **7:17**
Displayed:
**9:53**
